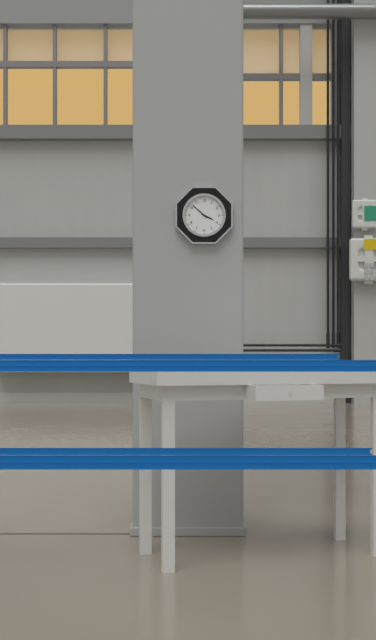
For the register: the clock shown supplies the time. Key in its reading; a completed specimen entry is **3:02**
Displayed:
**3:52**
